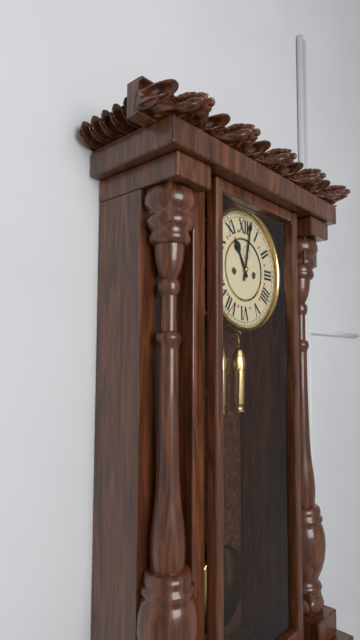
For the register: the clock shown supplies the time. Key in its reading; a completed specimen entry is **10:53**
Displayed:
**11:02**
